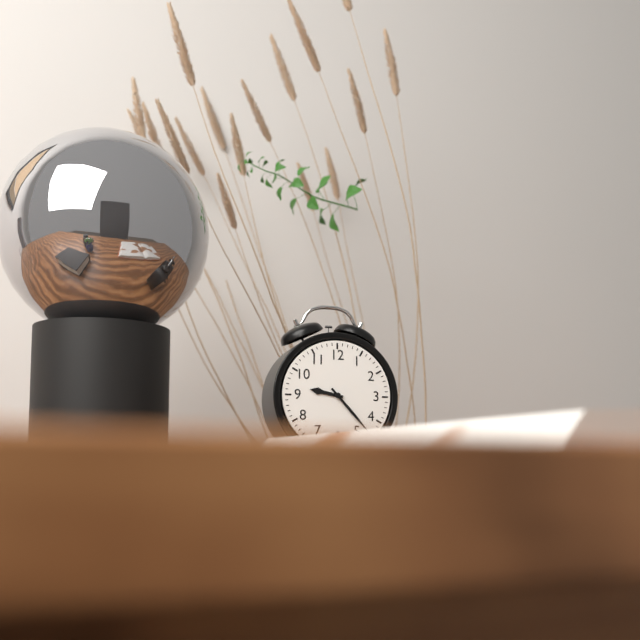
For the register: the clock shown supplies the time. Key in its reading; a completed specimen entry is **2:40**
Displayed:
**9:23**
